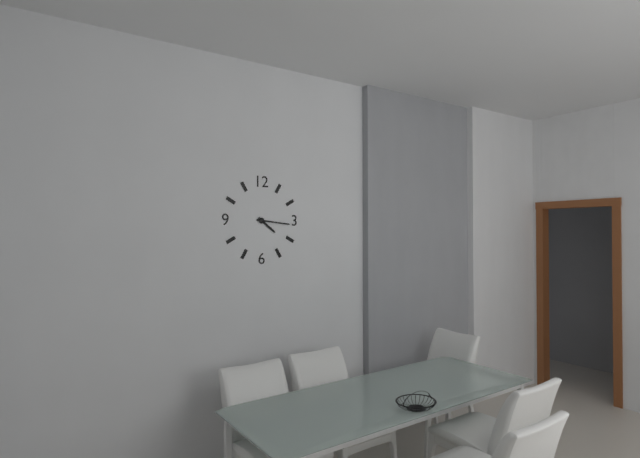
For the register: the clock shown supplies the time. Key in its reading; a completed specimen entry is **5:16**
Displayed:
**4:16**
